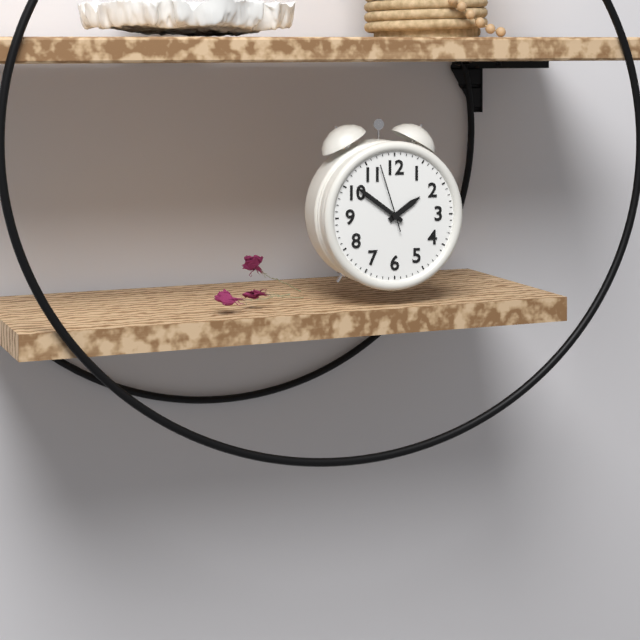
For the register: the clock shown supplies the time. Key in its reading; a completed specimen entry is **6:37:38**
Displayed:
**1:51:57**
